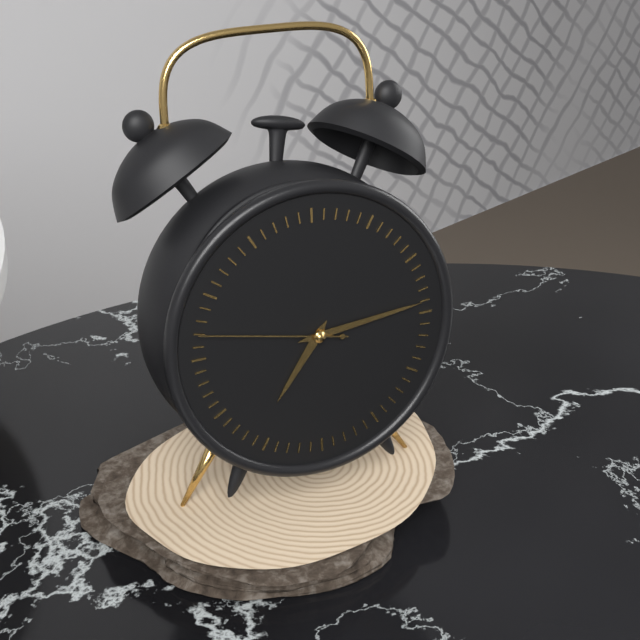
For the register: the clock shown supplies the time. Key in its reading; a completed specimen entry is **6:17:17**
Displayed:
**7:14:47**
